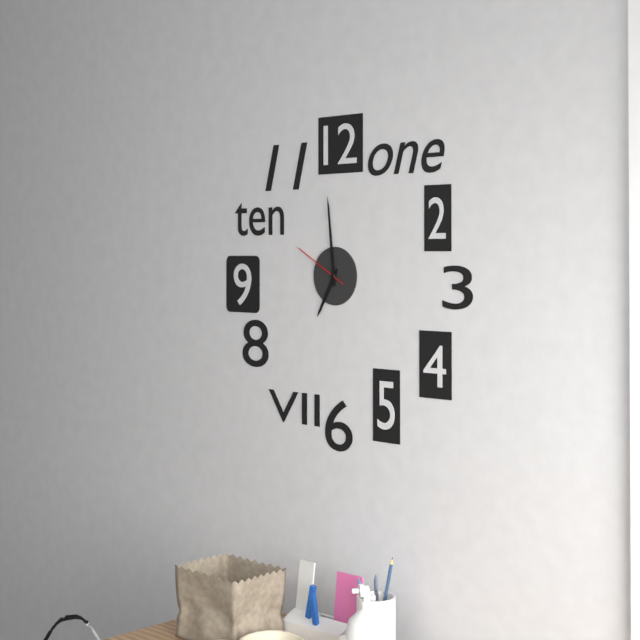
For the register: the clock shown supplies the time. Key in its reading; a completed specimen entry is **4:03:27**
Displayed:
**6:59:50**
